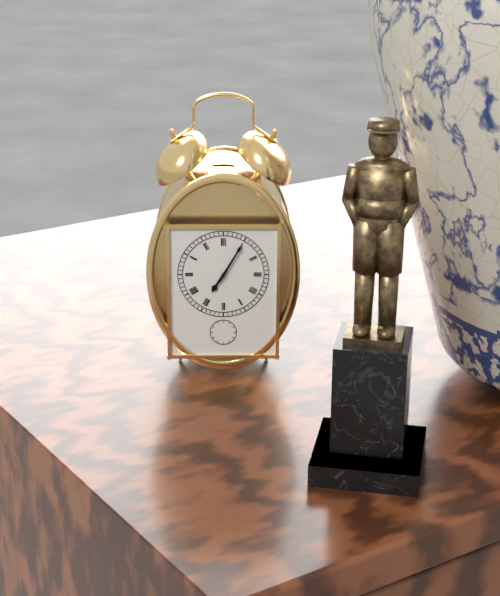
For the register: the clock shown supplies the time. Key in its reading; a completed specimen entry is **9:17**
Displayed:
**7:05**
